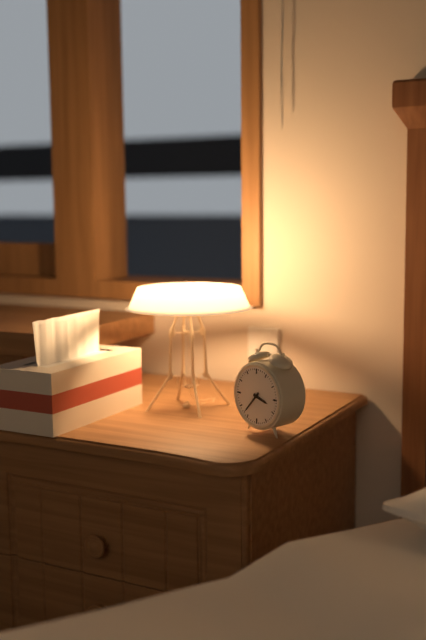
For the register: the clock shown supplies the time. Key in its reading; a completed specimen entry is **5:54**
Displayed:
**3:37**
